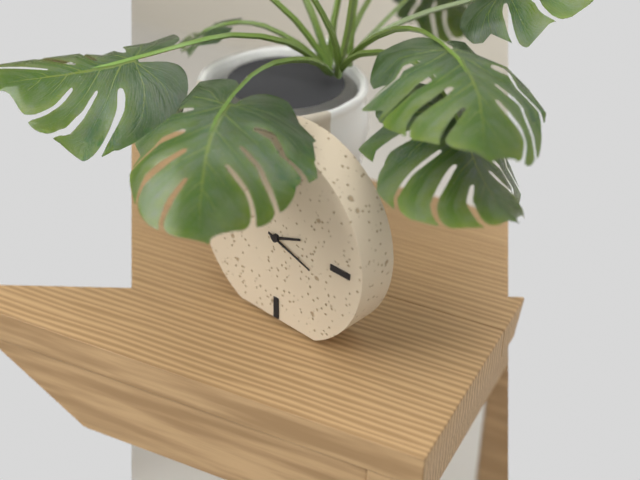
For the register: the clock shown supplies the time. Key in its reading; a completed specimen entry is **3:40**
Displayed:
**2:18**
